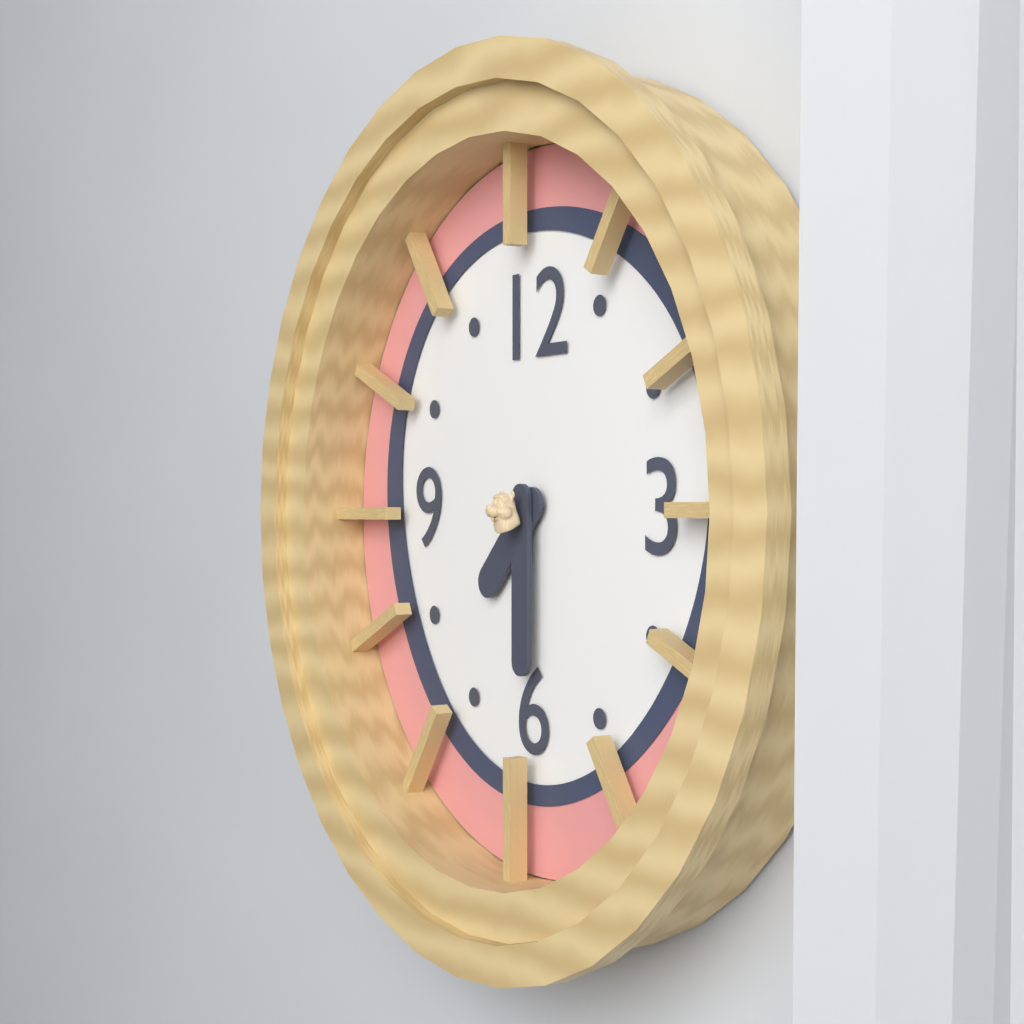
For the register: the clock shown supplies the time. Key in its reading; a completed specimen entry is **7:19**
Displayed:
**7:30**
